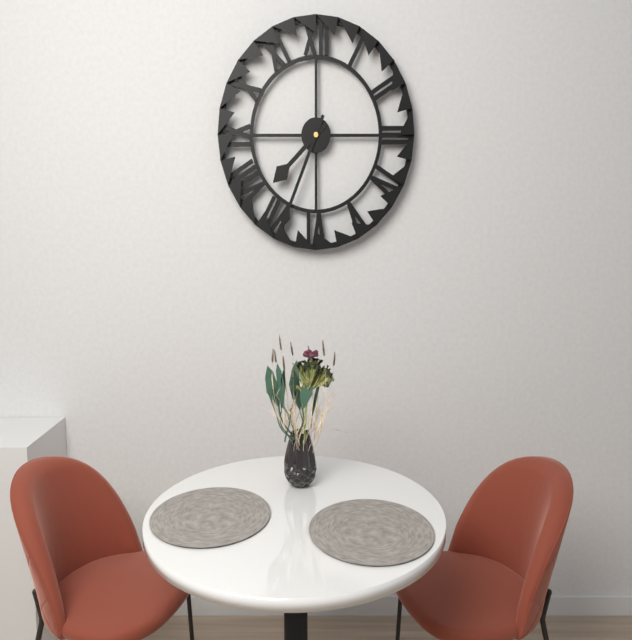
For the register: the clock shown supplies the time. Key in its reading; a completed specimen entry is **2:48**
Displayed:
**7:34**
